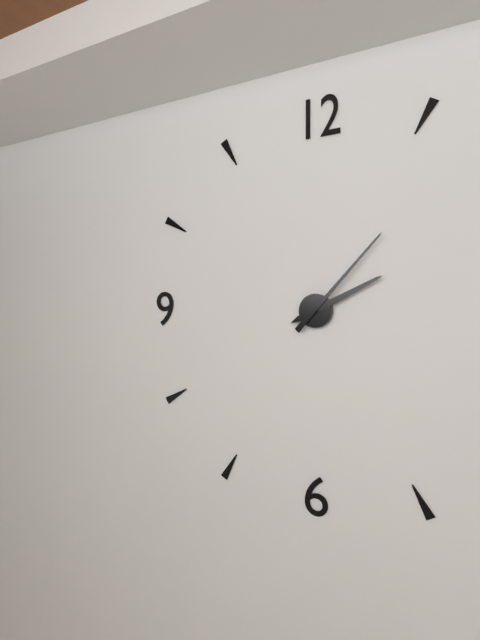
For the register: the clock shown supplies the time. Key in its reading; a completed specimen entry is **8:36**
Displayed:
**2:07**
